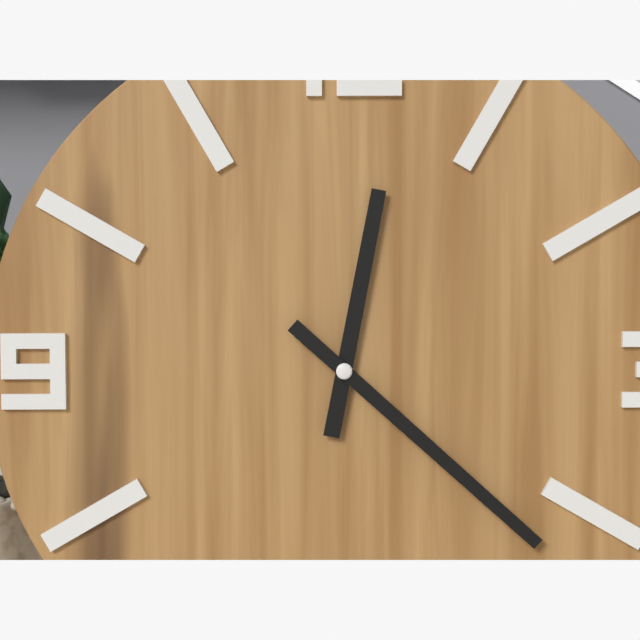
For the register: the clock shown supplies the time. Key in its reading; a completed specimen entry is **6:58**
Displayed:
**12:22**
